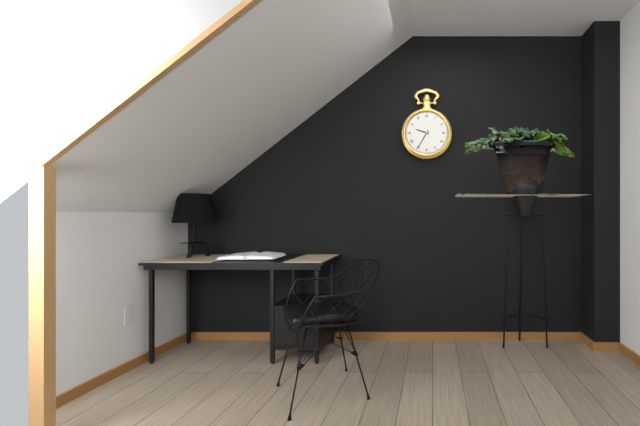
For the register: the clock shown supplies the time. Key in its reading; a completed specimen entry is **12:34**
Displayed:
**9:35**
